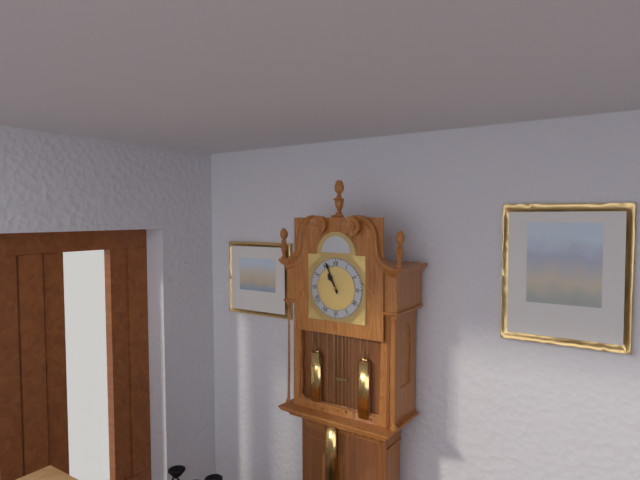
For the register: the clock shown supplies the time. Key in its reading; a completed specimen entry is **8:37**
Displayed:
**10:56**
